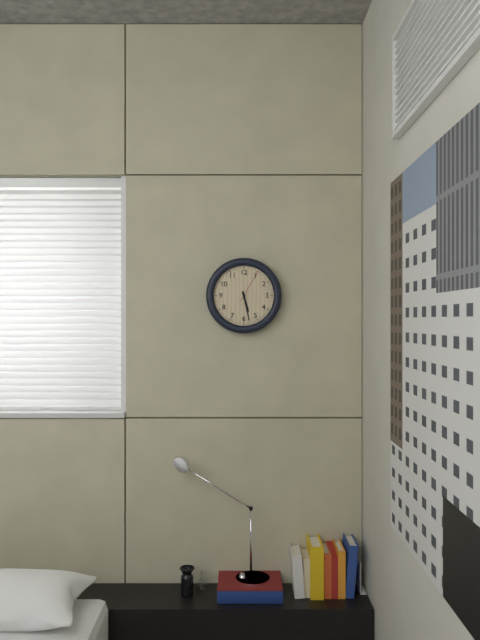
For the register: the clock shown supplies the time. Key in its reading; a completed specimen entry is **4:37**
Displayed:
**5:28**
